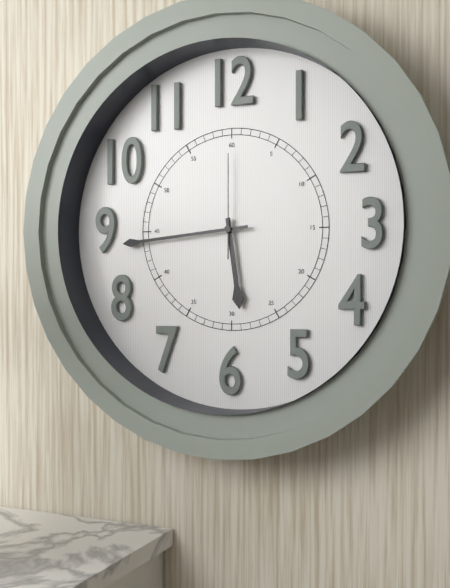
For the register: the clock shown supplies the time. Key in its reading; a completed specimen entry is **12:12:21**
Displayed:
**5:44:00**
